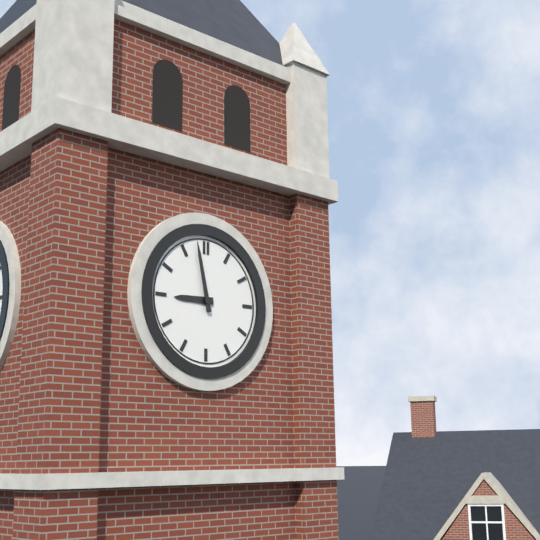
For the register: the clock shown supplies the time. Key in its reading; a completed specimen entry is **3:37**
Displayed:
**8:58**
